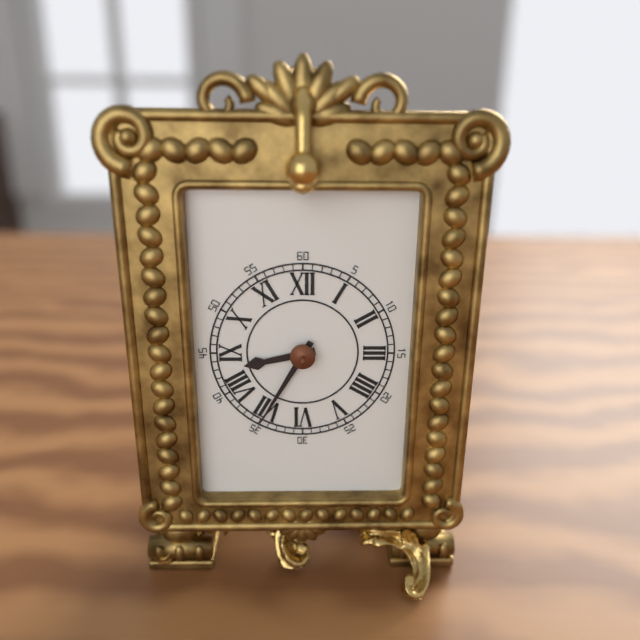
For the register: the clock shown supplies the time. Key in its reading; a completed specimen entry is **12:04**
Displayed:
**8:35**
